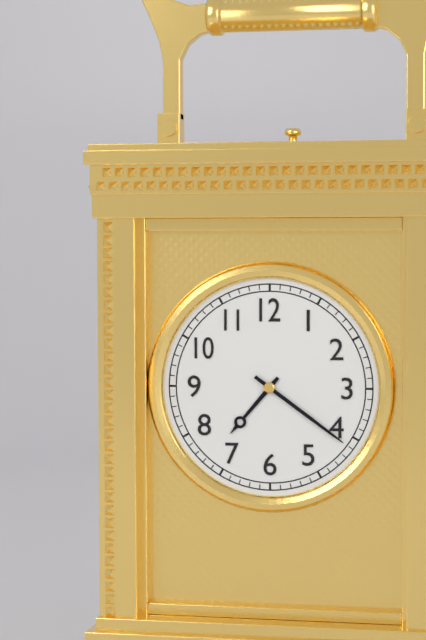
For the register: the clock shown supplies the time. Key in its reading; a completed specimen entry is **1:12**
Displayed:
**7:21**
